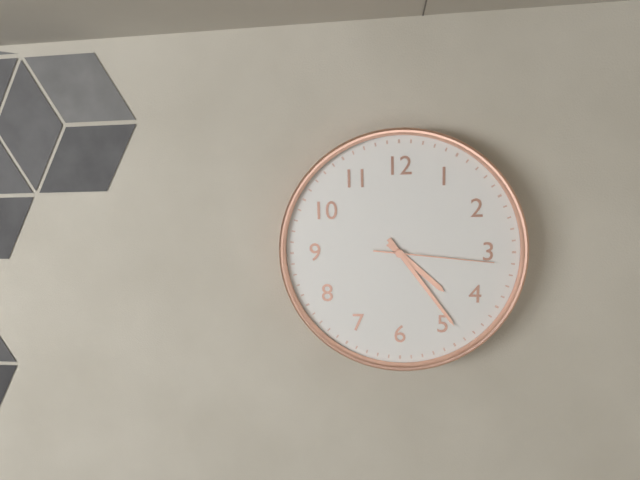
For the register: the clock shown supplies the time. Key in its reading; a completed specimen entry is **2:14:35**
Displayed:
**4:24:16**
